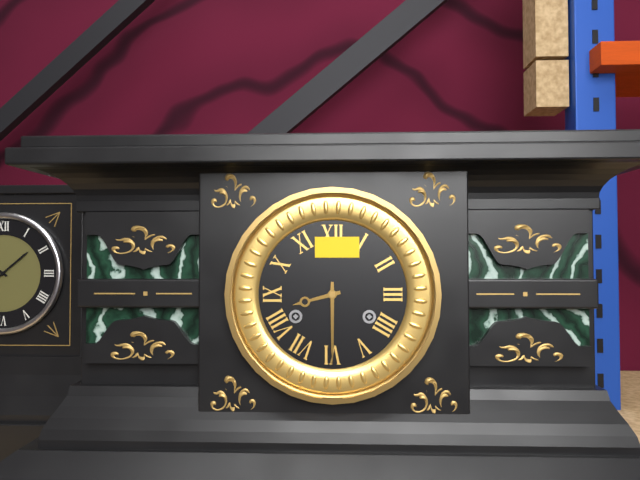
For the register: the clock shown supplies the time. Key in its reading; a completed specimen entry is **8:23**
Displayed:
**8:30**
